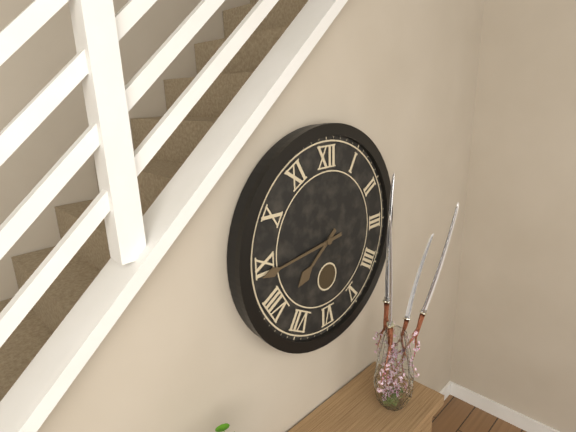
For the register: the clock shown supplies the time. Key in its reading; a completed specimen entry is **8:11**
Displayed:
**7:44**
